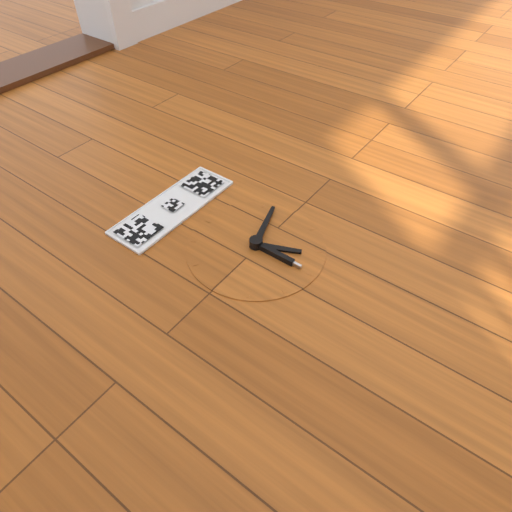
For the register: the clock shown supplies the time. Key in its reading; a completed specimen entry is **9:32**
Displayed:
**5:12**
